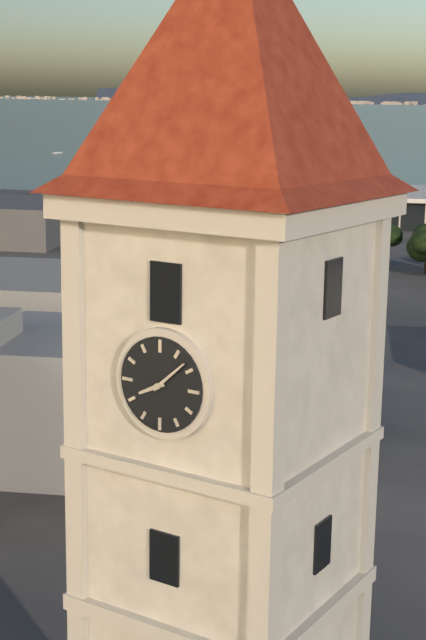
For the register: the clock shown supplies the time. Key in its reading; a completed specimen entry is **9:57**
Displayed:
**8:08**
